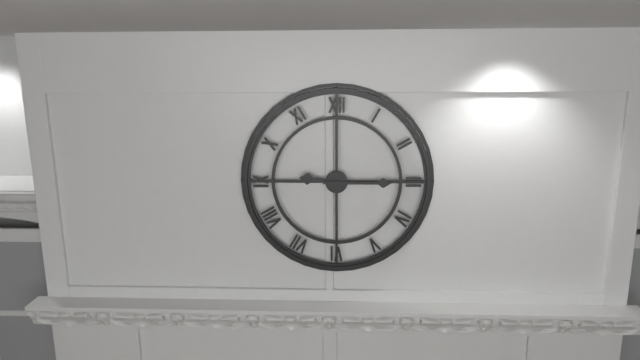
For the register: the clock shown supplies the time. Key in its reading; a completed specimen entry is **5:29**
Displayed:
**9:15**
